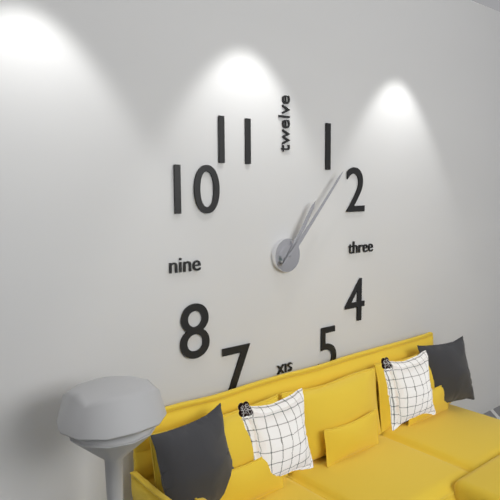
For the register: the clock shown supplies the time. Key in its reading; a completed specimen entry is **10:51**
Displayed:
**1:07**
